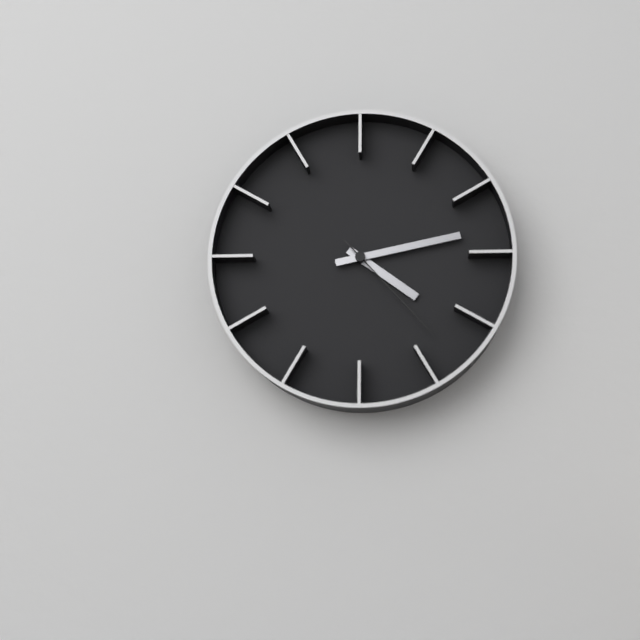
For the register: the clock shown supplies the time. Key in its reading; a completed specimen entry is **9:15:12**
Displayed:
**4:13:23**
